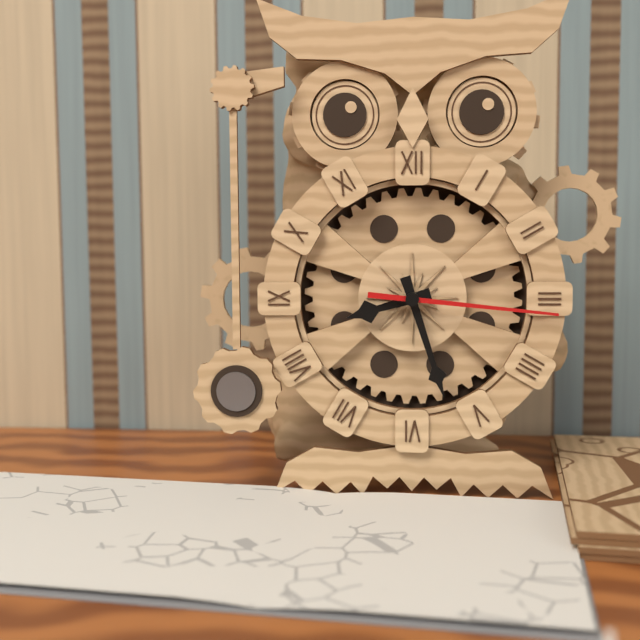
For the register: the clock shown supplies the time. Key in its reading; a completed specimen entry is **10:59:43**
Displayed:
**8:27:16**
